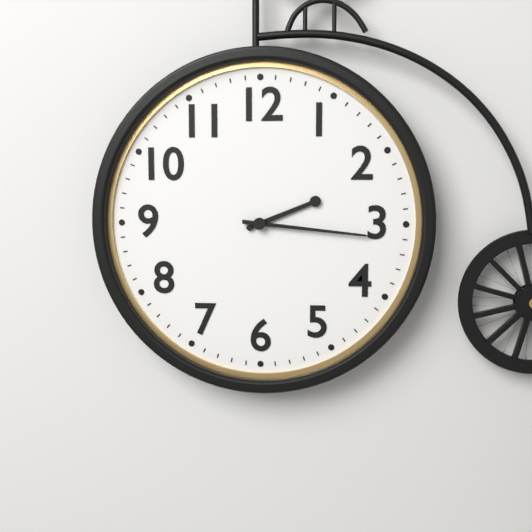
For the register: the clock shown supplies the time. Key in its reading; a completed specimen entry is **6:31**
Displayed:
**2:16**
